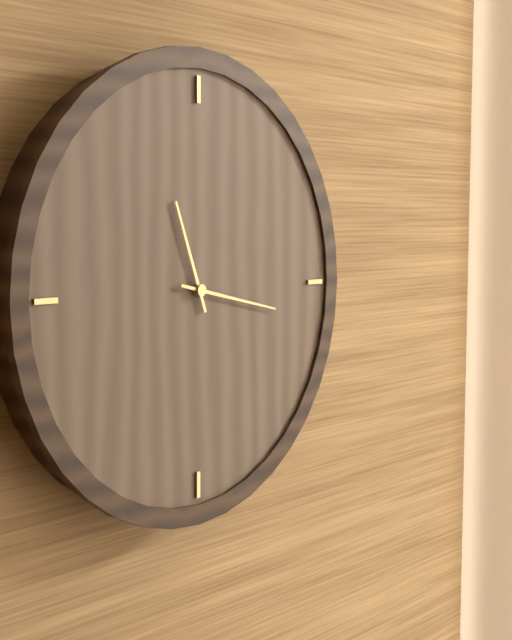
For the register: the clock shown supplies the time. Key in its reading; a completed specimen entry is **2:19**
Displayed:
**11:17**
